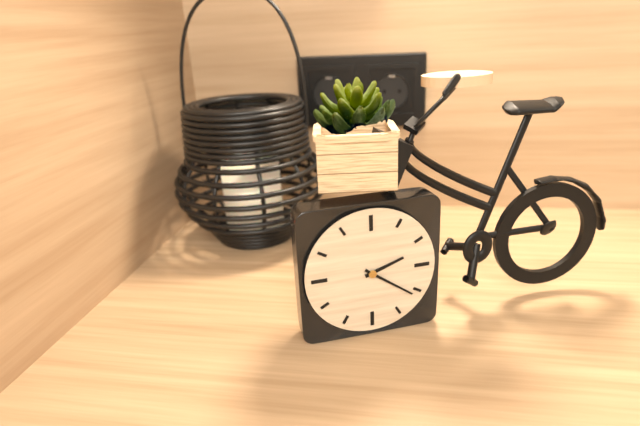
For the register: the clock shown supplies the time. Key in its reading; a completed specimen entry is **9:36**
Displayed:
**2:21**
